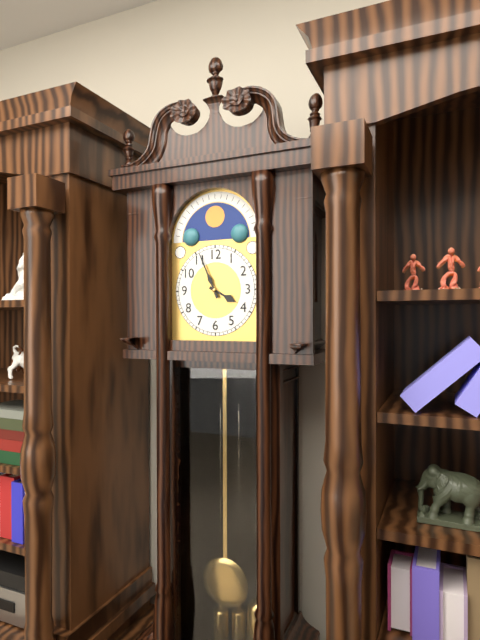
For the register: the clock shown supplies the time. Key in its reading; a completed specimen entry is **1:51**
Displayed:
**3:56**
